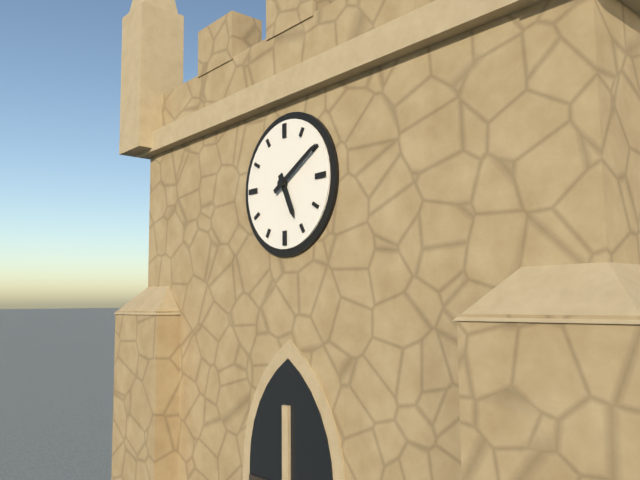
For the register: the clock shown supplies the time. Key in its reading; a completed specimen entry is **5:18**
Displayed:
**5:10**
